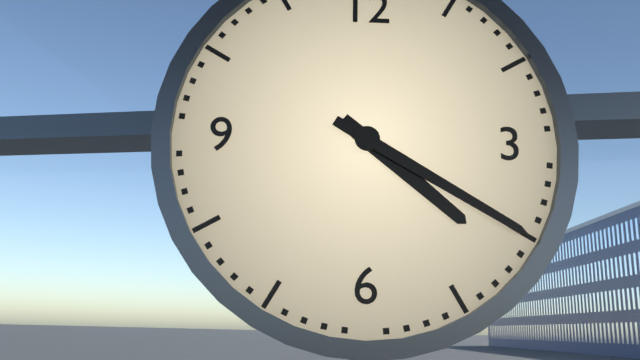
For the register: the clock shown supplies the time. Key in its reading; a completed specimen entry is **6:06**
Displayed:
**4:20**
